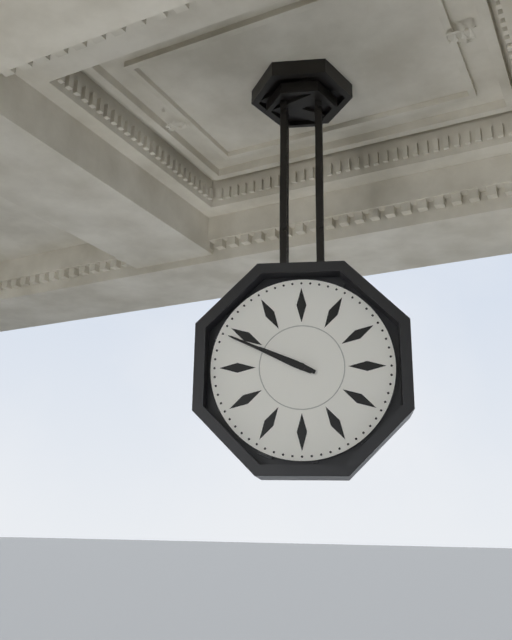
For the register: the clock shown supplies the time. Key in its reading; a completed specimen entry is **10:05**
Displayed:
**9:49**
